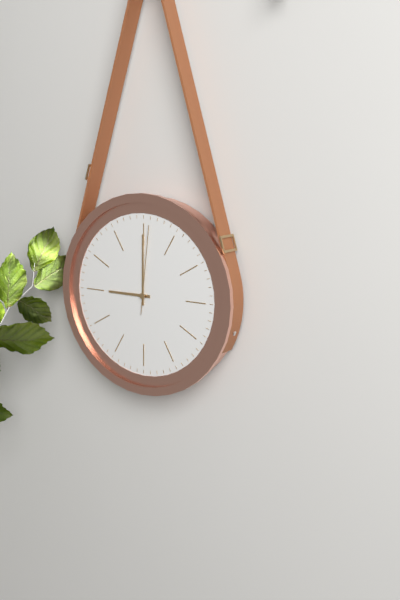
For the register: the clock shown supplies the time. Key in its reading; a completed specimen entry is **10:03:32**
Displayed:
**9:00:01**
